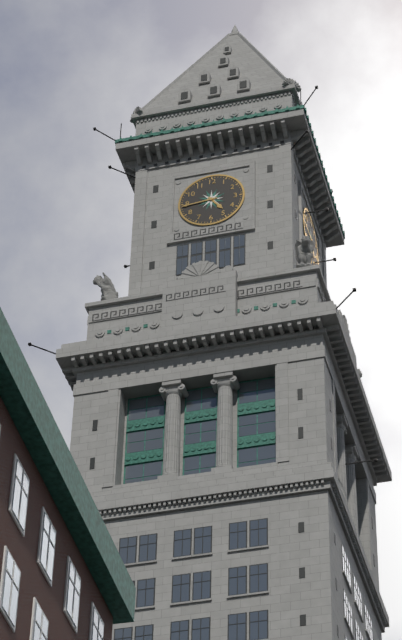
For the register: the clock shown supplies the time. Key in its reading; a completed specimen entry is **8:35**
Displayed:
**4:44**
